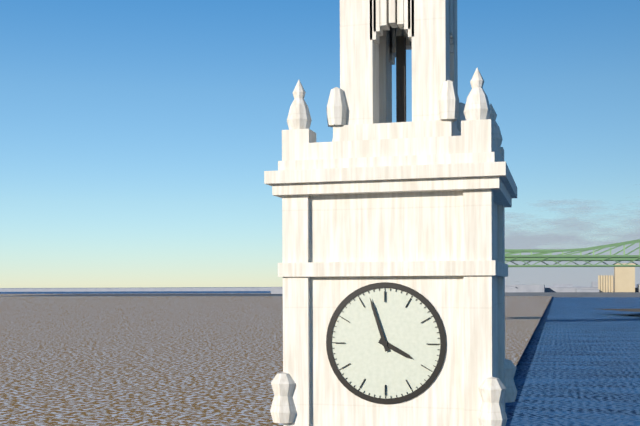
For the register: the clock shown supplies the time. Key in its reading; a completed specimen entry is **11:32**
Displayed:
**3:57**
